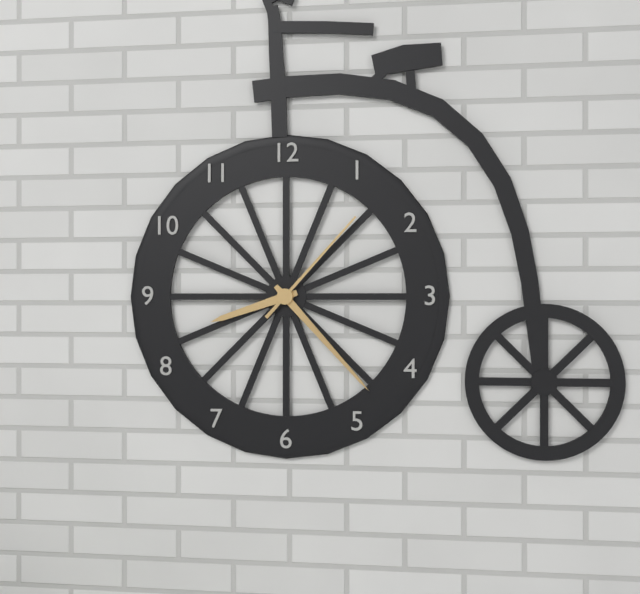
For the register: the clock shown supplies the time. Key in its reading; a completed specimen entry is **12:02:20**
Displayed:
**8:23:07**
